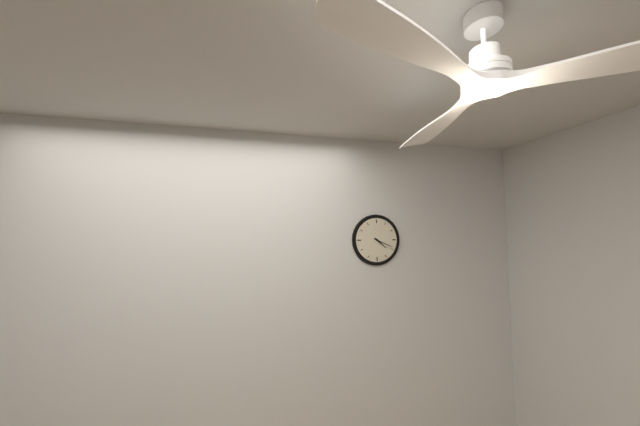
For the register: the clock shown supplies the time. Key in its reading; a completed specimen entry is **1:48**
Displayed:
**4:19**
